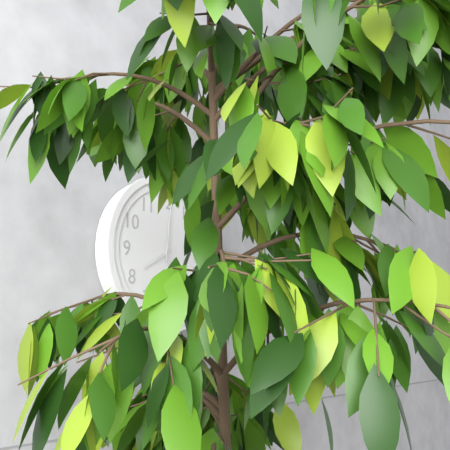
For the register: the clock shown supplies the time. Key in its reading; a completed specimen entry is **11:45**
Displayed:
**8:01**
